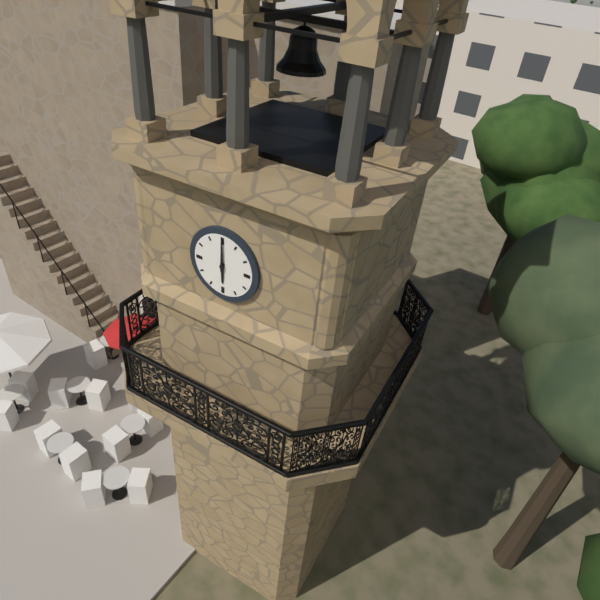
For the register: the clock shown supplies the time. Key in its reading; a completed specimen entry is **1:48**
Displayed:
**6:00**
